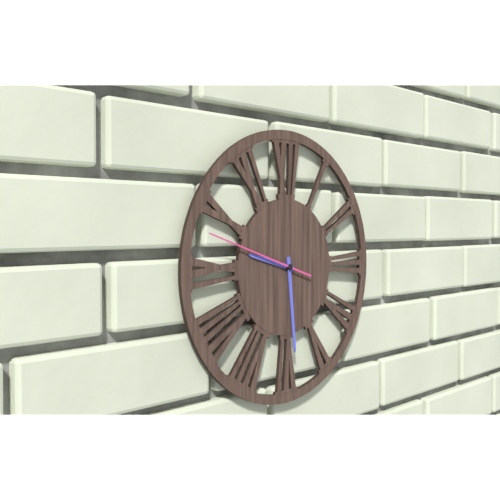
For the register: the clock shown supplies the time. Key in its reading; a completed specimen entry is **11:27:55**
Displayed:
**9:29:48**
